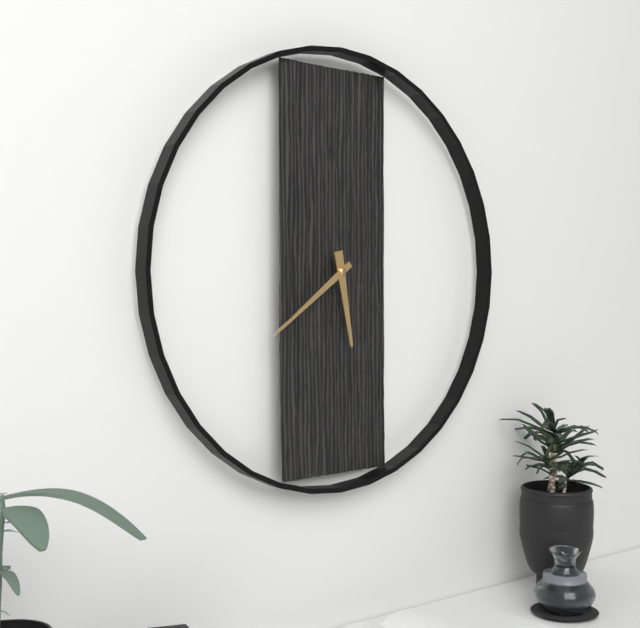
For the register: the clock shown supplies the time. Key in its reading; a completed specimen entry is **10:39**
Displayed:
**5:39**
